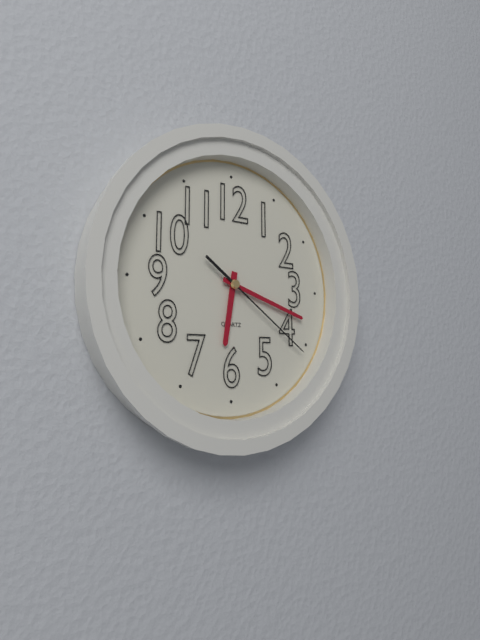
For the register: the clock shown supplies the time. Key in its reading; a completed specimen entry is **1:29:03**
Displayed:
**6:18:21**
